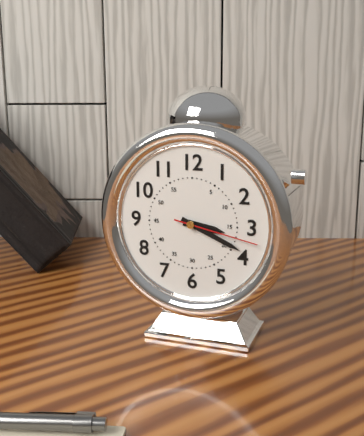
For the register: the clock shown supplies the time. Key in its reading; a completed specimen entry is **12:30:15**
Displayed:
**3:19:17**
